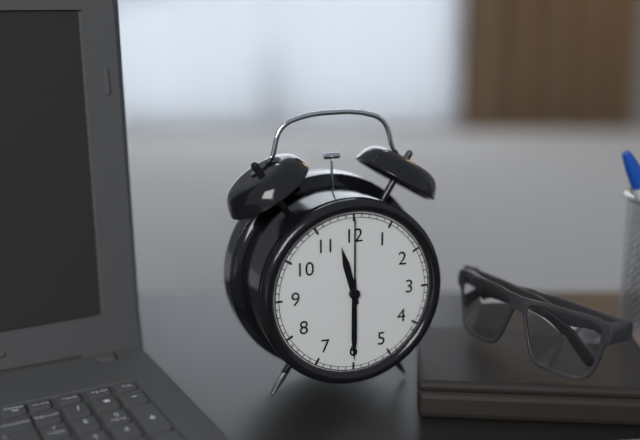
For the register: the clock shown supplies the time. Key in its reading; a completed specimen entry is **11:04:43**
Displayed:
**11:30:00**
